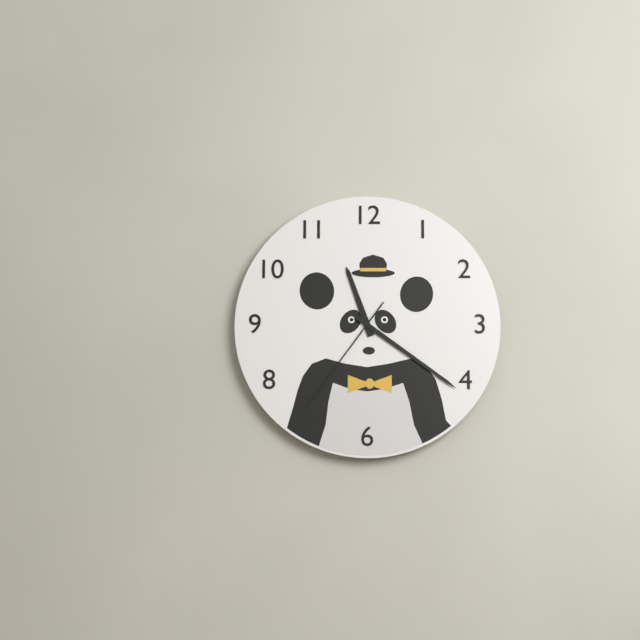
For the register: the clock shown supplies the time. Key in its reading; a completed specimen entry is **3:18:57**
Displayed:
**11:21:36**
